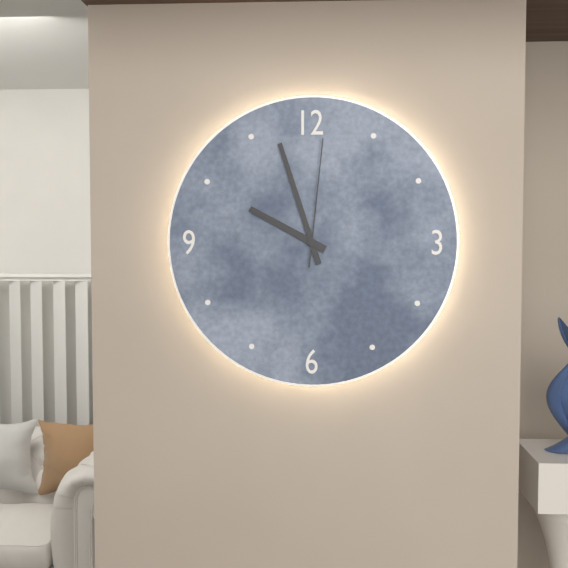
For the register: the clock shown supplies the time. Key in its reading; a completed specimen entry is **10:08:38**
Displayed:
**9:57:01**
